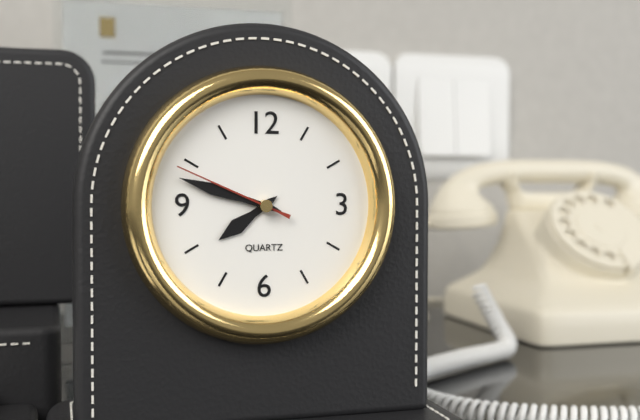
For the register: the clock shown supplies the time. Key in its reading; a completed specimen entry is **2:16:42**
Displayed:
**7:48:49**
